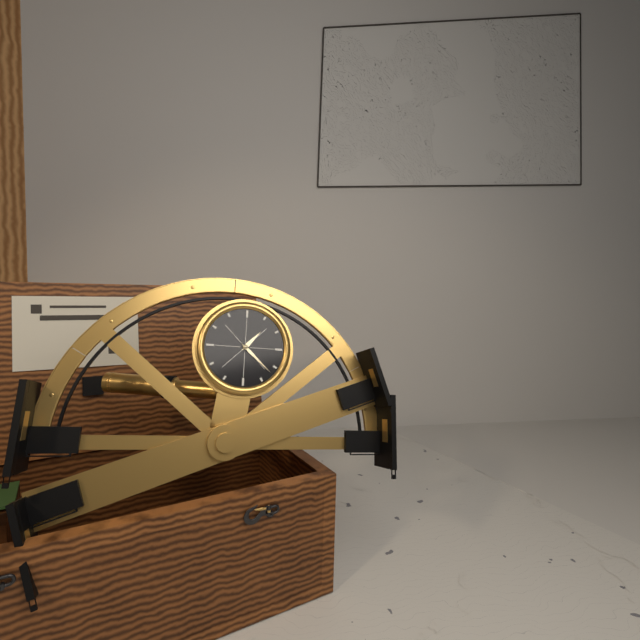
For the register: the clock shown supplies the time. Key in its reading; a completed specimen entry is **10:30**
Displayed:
**1:22**
